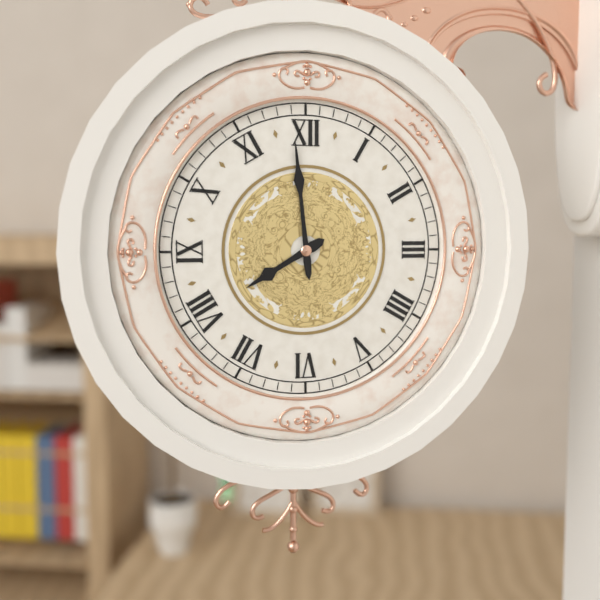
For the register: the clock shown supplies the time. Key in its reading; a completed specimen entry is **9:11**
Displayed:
**7:59**
